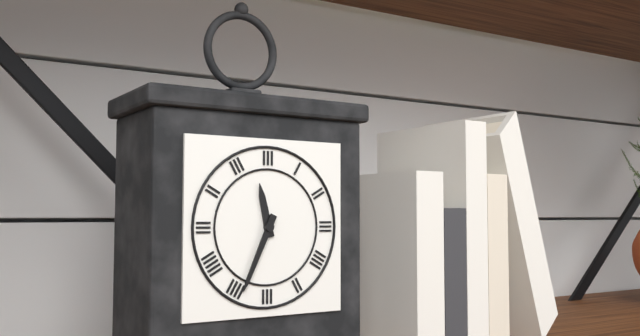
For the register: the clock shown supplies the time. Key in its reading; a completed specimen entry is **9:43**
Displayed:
**11:34**
